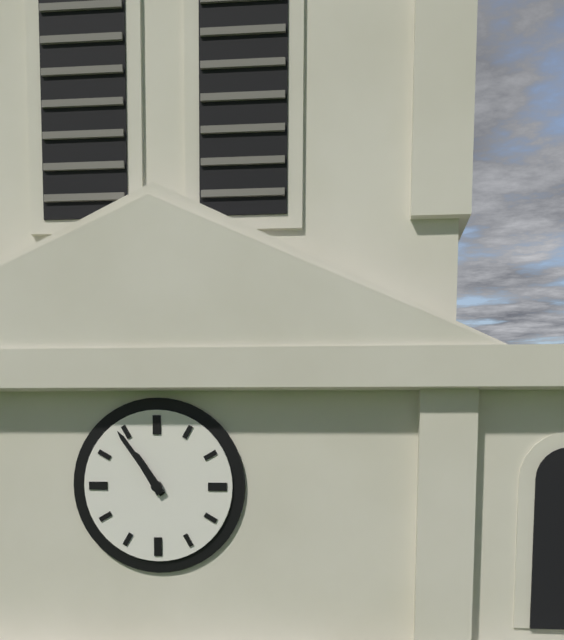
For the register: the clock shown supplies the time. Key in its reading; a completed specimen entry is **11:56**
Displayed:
**10:54**
